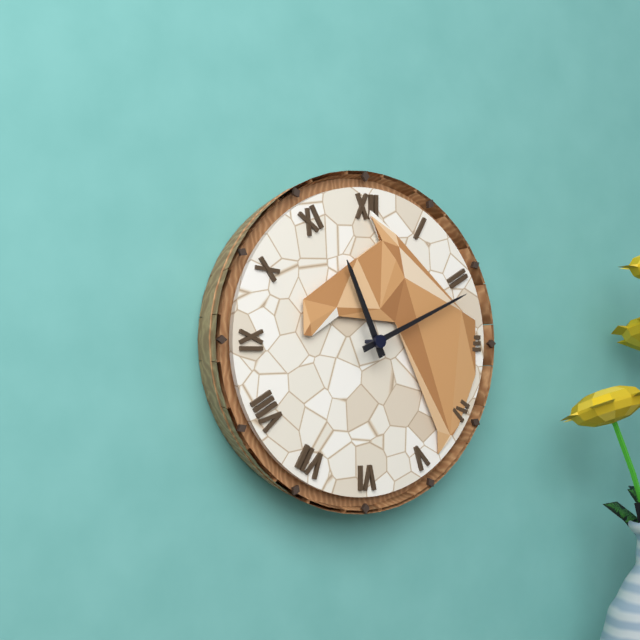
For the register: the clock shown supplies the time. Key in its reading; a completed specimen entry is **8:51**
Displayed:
**11:11**
